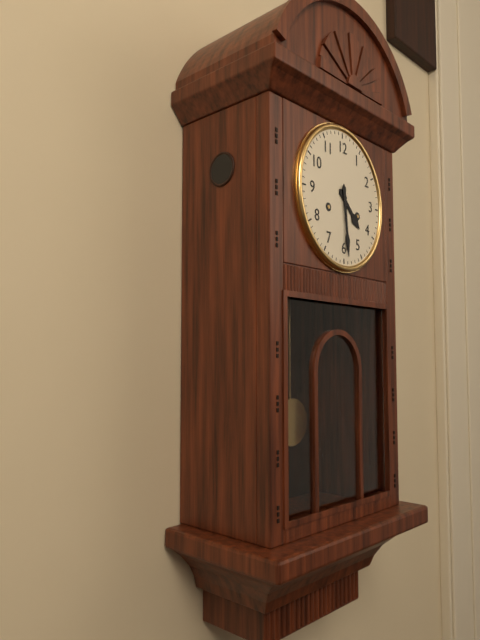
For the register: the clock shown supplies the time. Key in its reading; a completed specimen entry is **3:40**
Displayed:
**4:29**
